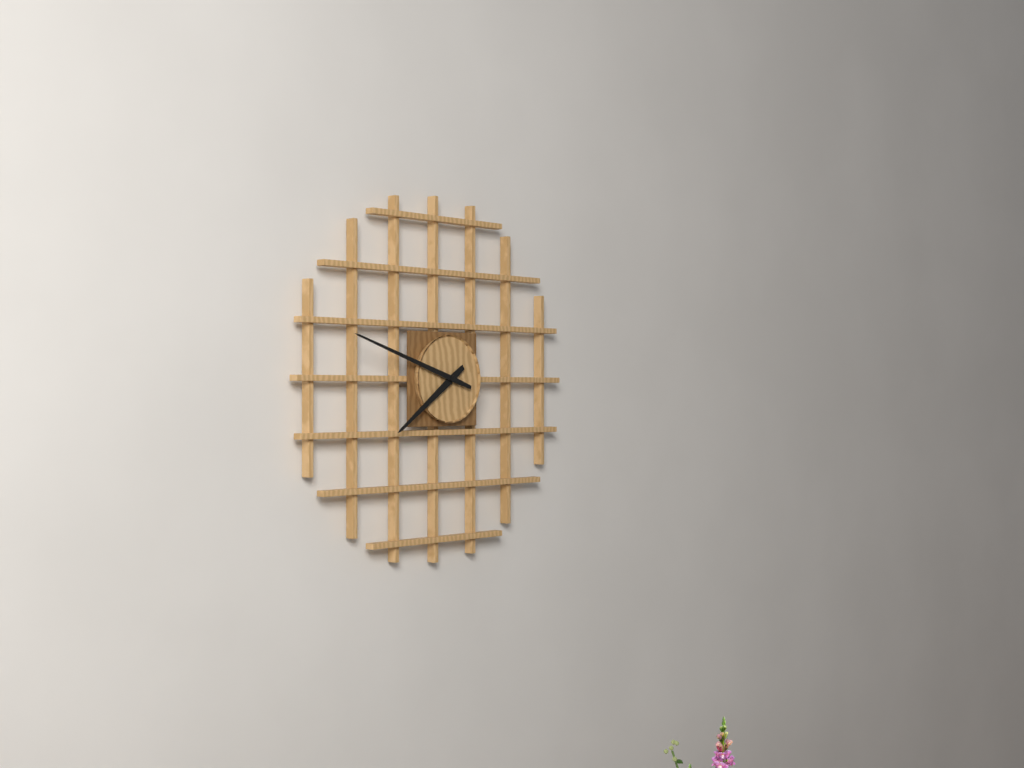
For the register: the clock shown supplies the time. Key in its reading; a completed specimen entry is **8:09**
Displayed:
**7:48**
